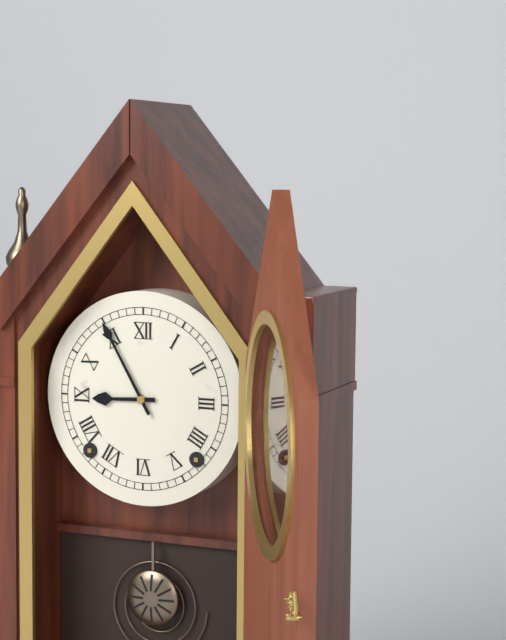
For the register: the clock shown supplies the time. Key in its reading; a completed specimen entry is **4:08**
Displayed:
**8:55**
